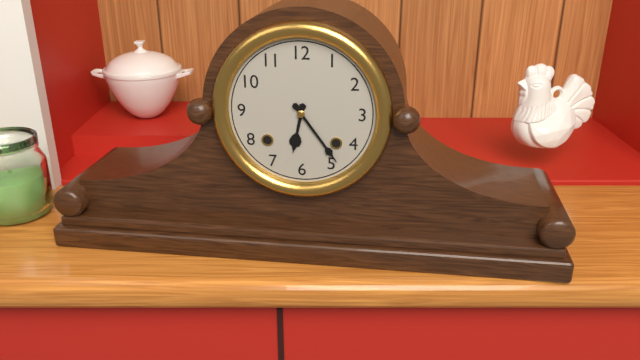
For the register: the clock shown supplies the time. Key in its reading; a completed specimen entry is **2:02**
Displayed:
**6:24**
